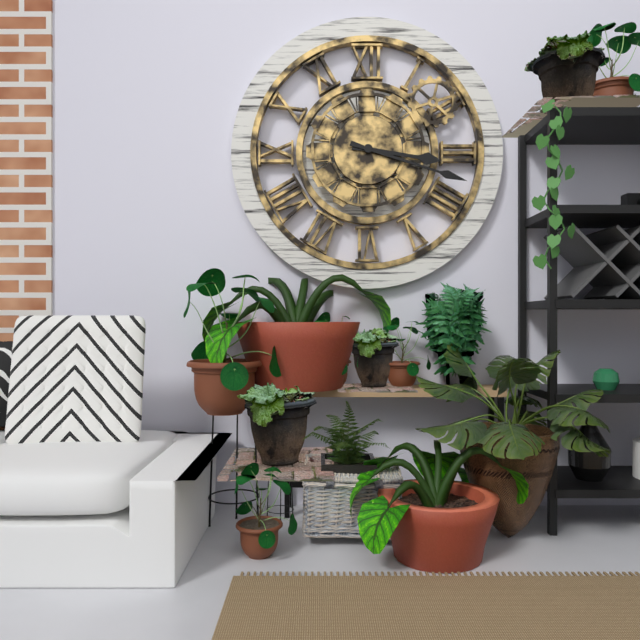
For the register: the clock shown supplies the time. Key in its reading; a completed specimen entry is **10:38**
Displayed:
**3:18**
